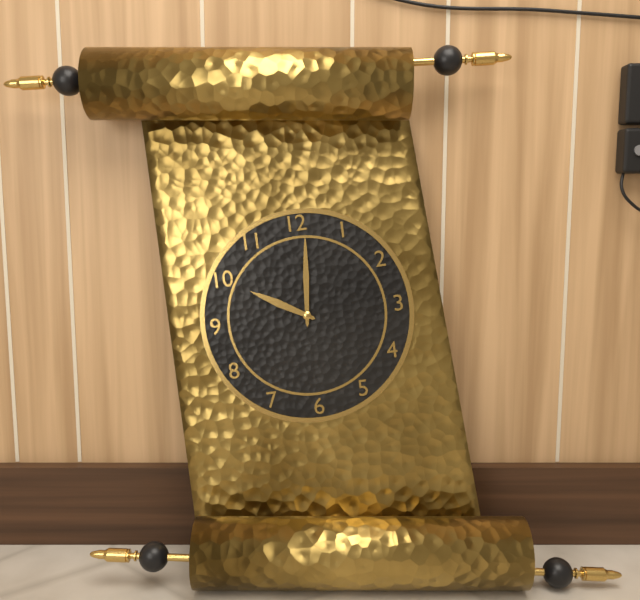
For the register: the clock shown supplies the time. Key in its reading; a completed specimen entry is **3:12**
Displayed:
**10:01**
